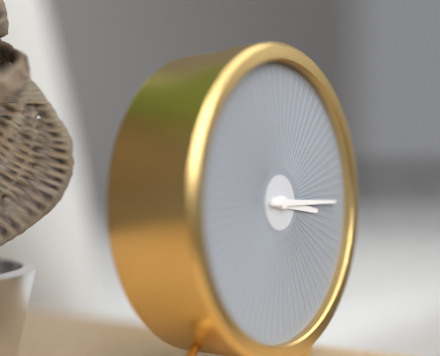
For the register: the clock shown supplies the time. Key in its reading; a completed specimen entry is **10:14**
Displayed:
**3:15**
